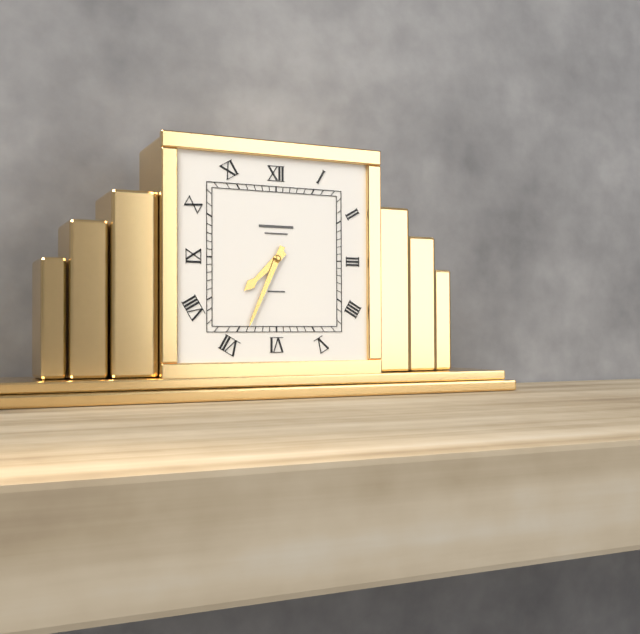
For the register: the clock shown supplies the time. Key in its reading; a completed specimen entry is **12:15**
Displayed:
**7:34**
